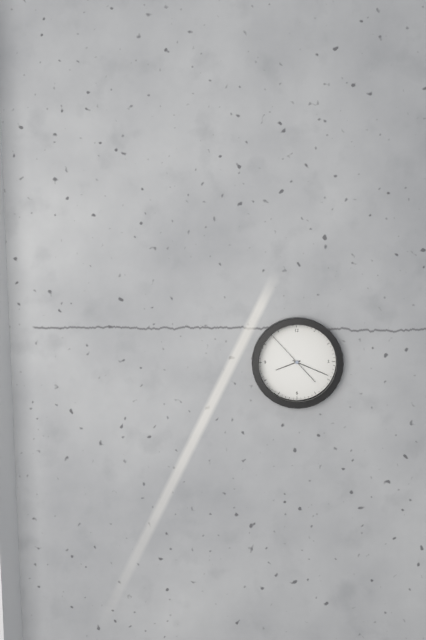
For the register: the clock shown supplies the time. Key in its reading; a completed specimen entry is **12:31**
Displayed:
**8:19**
